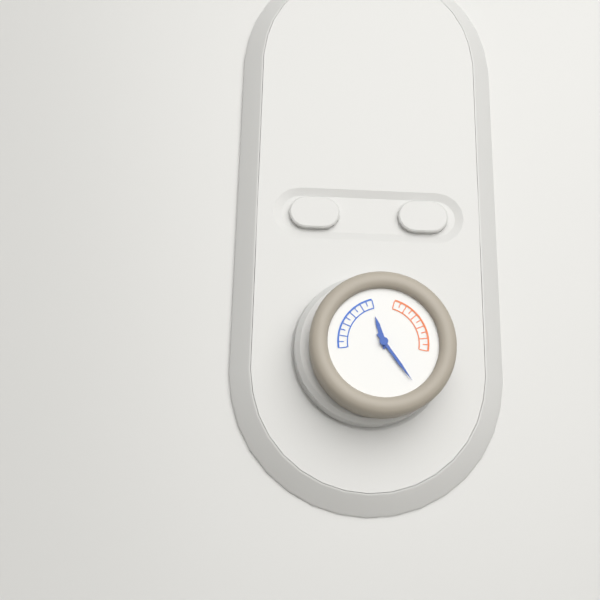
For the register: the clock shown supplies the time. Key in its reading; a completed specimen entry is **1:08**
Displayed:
**11:24**
